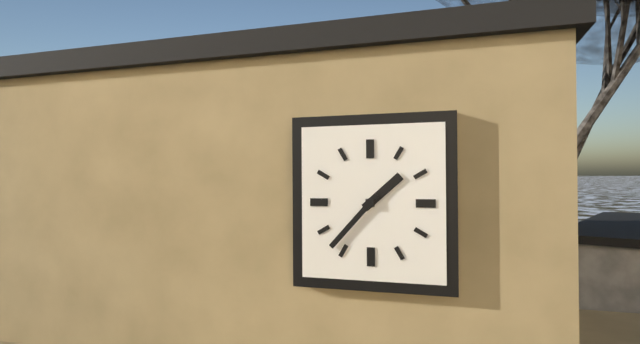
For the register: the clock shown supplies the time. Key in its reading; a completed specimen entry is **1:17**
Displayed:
**1:37**
